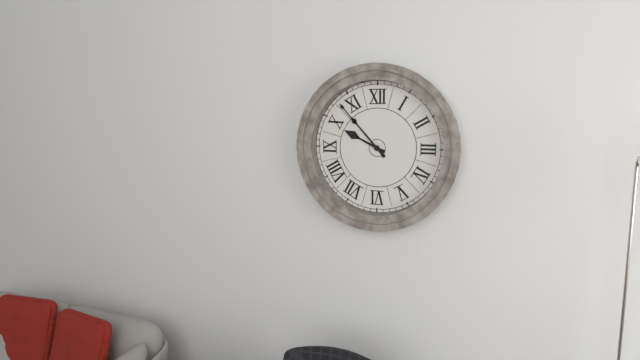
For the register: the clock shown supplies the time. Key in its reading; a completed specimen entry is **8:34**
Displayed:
**9:53**
